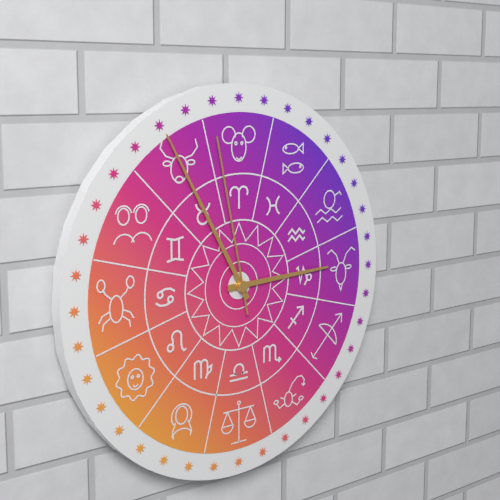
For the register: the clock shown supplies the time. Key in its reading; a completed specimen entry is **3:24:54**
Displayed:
**2:55:58**
